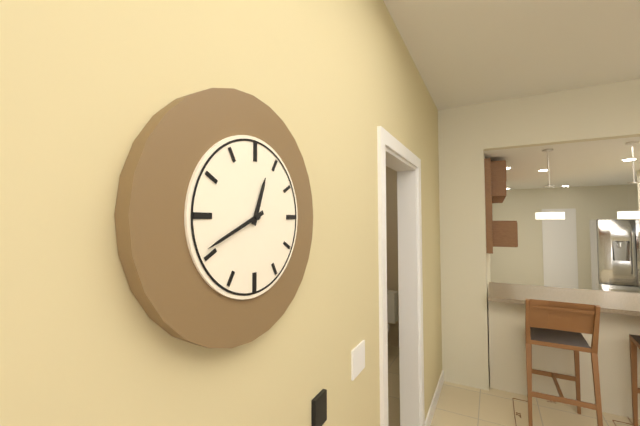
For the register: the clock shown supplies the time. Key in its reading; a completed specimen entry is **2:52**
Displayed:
**12:41**
